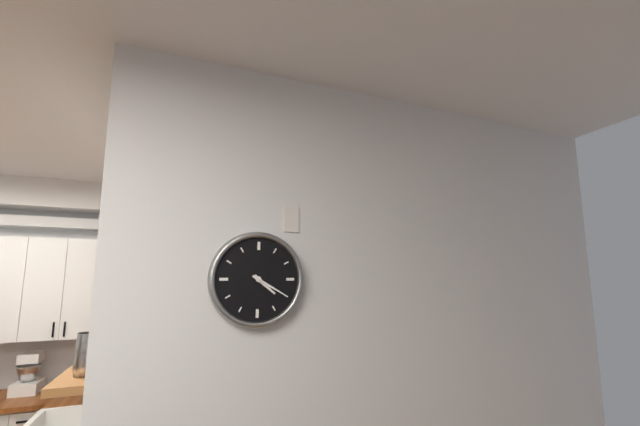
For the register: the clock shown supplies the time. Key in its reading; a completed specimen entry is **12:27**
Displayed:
**4:20**
